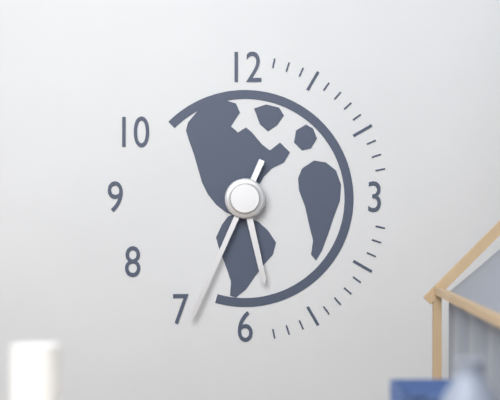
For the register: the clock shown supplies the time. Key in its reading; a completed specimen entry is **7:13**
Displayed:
**5:34**
